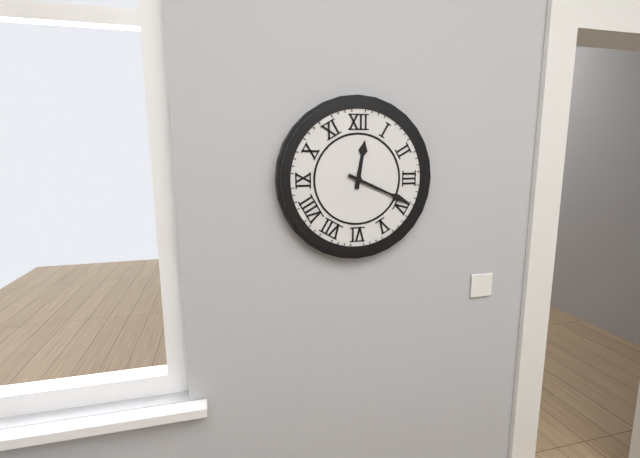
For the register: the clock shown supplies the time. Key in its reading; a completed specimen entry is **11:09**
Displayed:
**12:19**
